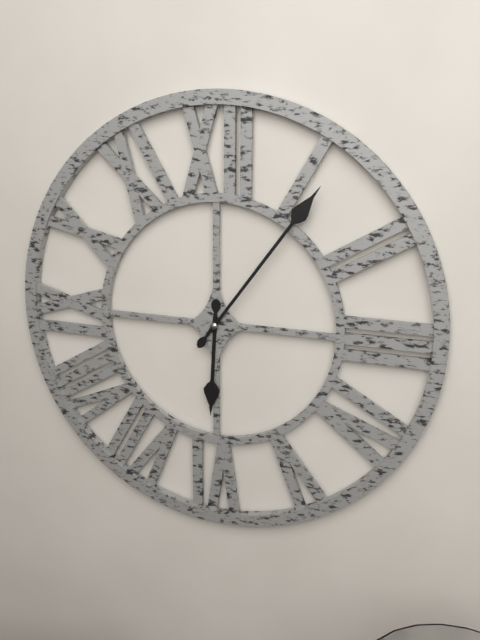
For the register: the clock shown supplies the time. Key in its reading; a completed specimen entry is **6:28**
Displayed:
**6:06**
